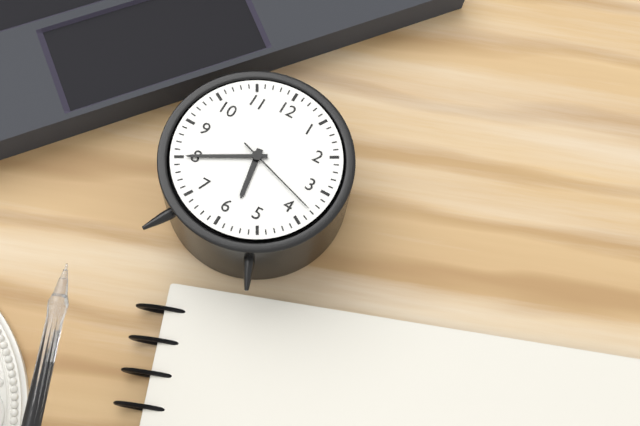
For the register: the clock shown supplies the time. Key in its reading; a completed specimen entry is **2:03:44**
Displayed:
**5:40:18**
